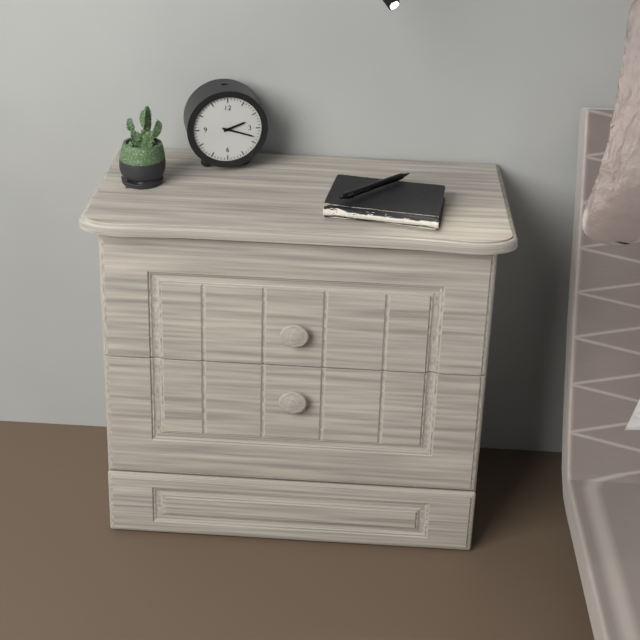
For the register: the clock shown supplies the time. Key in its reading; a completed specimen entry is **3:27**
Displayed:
**2:18**
